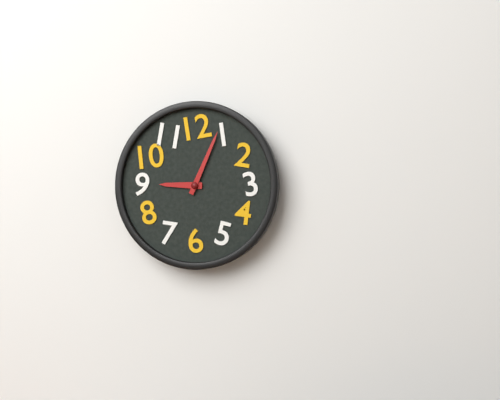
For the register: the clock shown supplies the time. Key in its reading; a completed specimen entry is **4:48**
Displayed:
**9:04**
